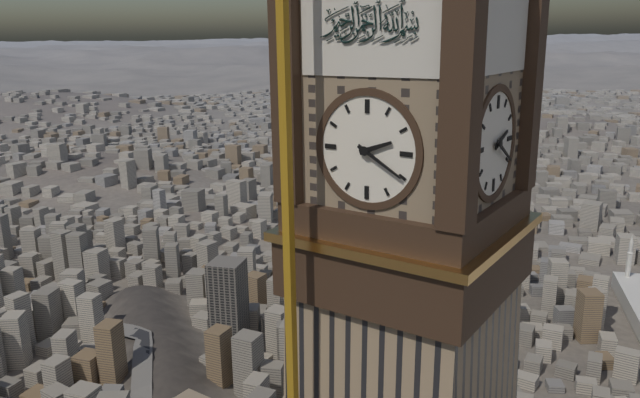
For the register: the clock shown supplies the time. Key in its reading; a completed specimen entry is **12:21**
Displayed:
**2:20**
